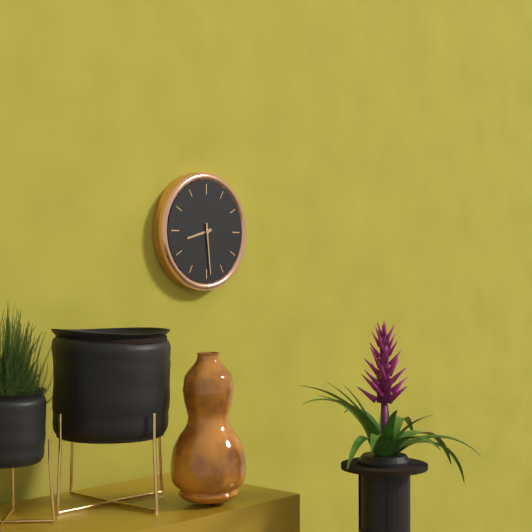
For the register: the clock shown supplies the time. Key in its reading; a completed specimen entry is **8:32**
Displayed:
**8:29**
